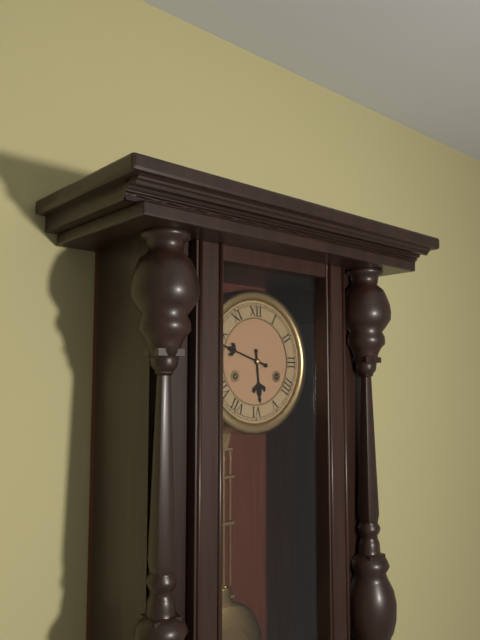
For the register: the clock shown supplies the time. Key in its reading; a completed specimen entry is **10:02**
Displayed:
**5:48**
